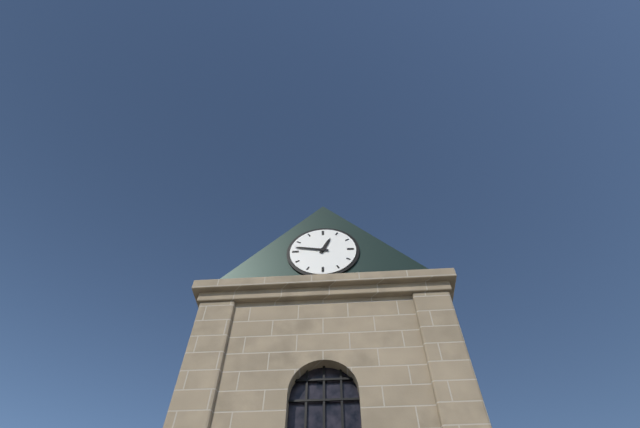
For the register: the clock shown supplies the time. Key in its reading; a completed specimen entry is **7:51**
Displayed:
**12:47**
